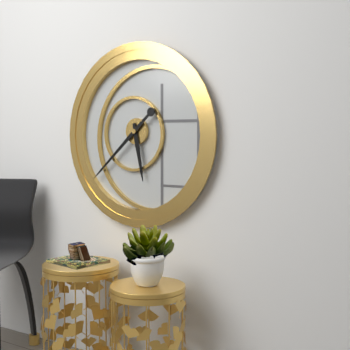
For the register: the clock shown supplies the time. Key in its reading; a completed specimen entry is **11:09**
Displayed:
**5:38**
